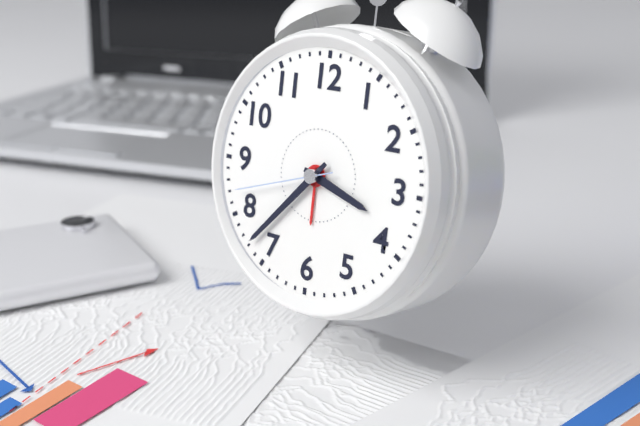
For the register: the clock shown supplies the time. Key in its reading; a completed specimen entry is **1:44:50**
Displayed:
**3:37:42**
